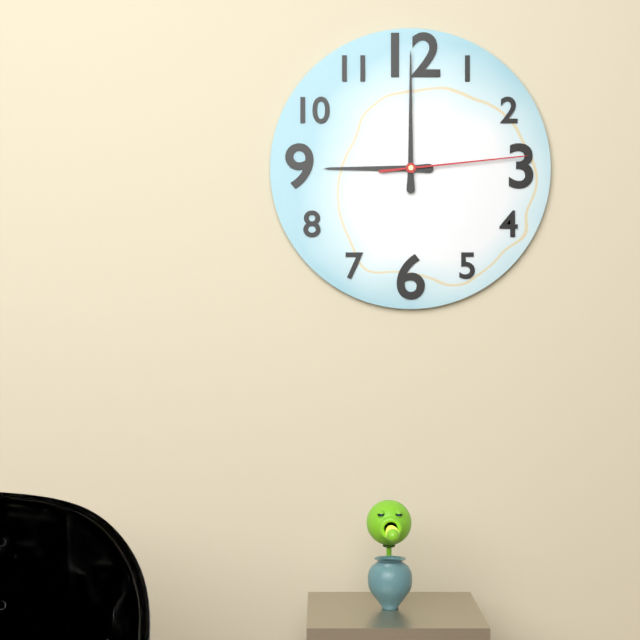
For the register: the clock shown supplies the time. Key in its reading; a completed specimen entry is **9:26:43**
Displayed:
**9:00:14**
